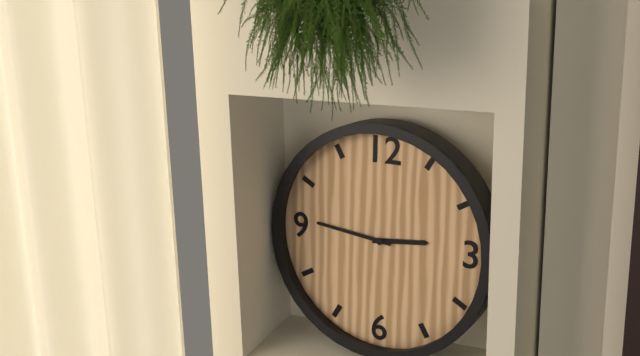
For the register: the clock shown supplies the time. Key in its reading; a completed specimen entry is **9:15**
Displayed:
**2:46**
